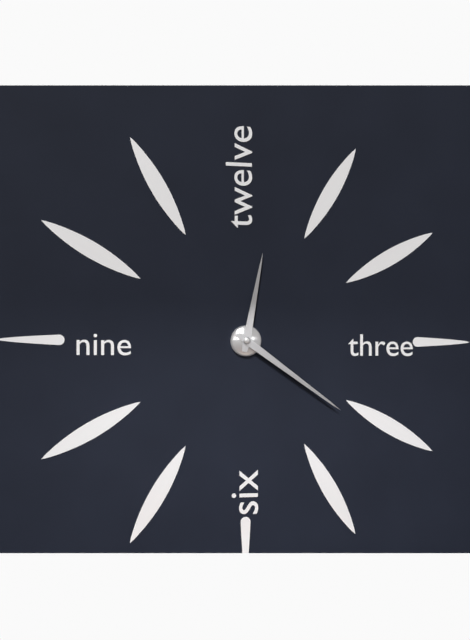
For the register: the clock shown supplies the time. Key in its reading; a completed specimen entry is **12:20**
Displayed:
**12:21**
